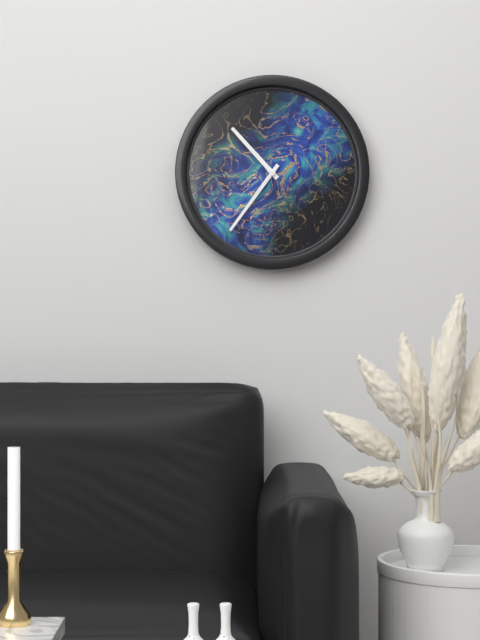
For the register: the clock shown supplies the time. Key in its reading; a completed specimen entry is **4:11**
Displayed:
**10:36**
